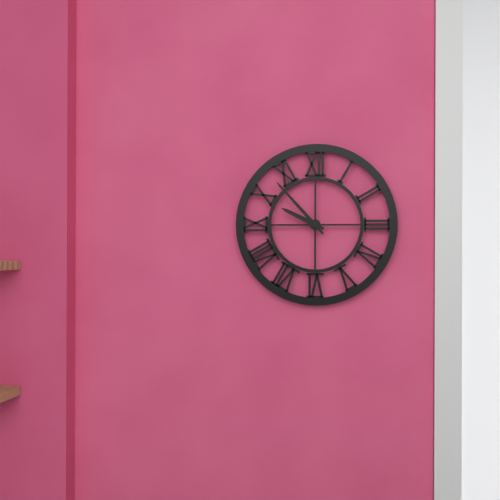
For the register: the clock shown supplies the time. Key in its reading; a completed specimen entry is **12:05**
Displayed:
**9:53**
